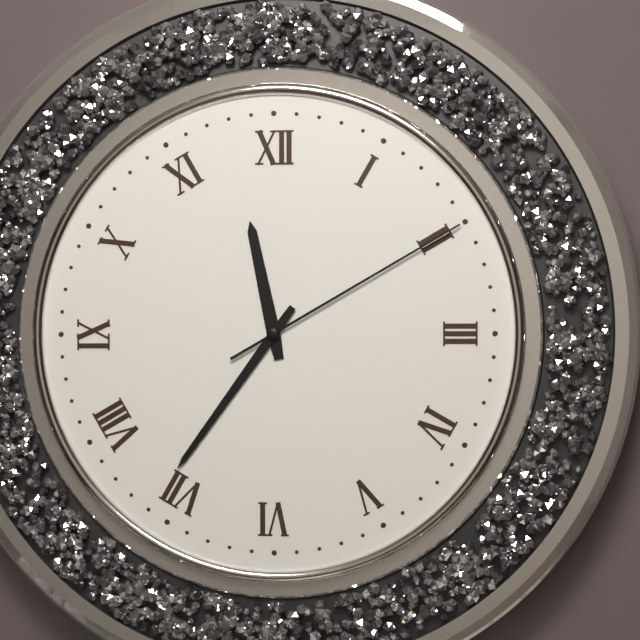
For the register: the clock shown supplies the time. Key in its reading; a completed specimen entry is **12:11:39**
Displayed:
**11:36:10**
